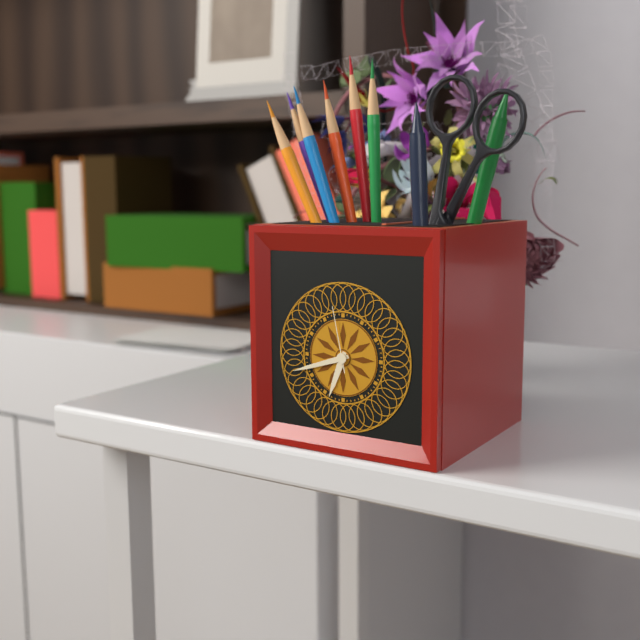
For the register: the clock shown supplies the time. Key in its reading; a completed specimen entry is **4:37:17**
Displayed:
**6:42:58**
